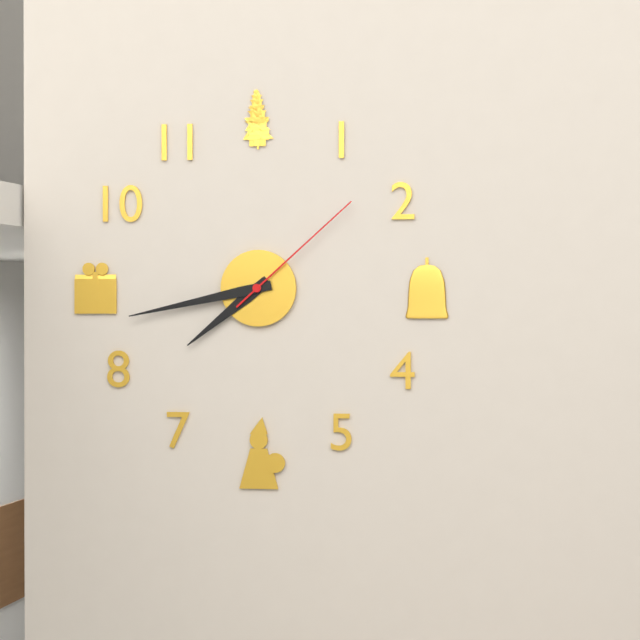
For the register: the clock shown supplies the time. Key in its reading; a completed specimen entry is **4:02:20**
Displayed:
**7:43:08**
